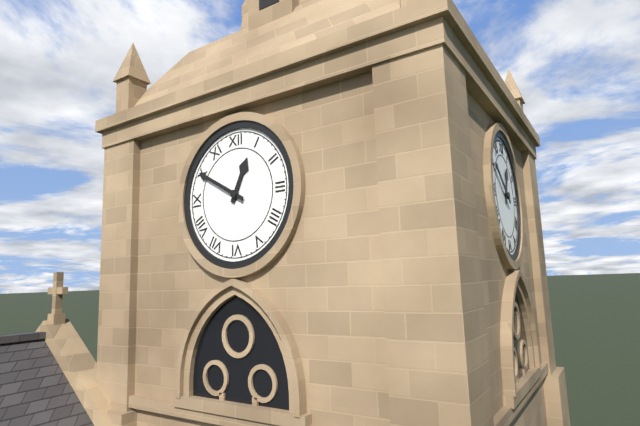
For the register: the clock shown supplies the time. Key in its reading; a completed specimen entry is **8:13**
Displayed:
**12:50**
